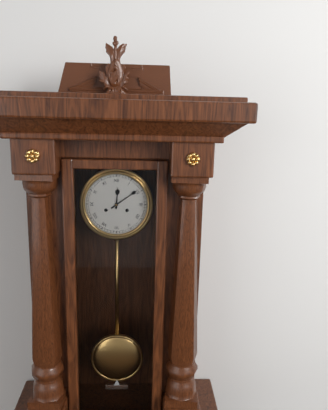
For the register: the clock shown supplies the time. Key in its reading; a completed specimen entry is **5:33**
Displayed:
**12:09**
